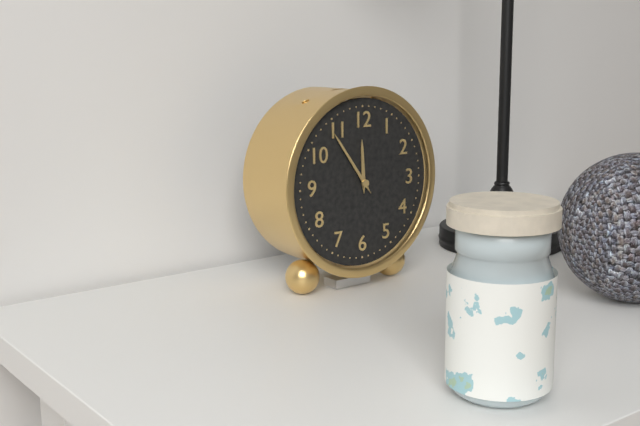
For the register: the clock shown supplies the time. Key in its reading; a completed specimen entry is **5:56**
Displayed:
**11:54**
